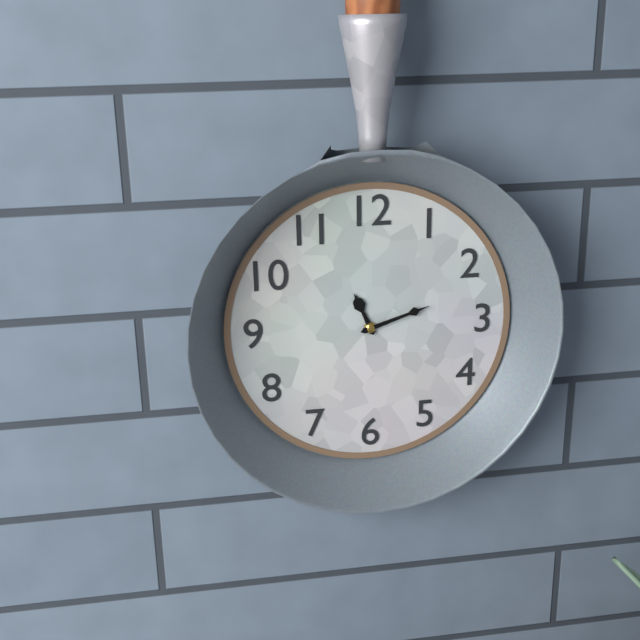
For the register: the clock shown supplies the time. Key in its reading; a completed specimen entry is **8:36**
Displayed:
**11:12**
